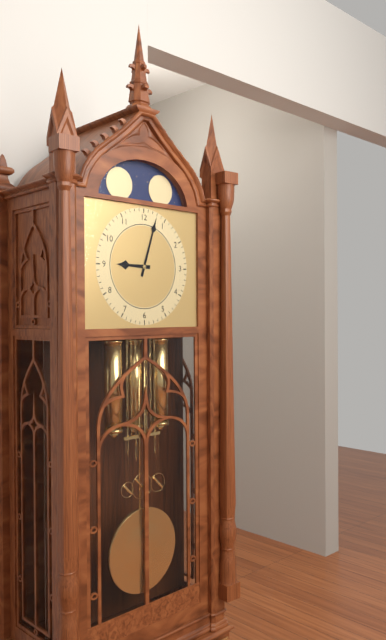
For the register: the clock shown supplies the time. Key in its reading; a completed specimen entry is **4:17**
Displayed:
**9:03**
